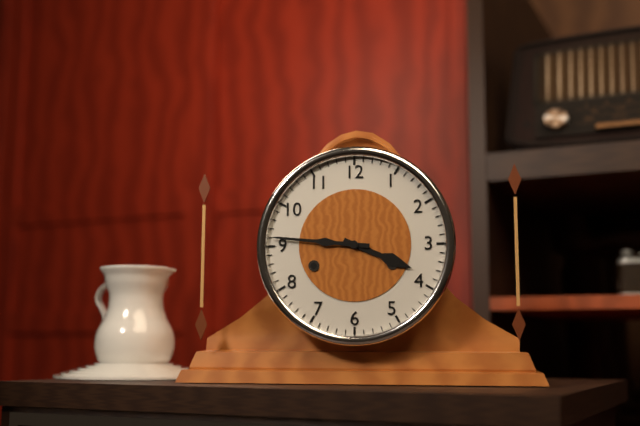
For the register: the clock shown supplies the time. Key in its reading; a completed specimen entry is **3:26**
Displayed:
**3:46**
